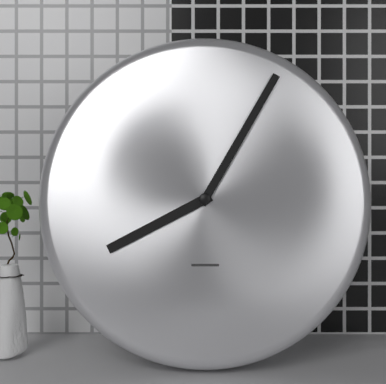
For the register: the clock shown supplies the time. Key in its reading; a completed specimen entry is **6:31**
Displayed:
**8:05**
